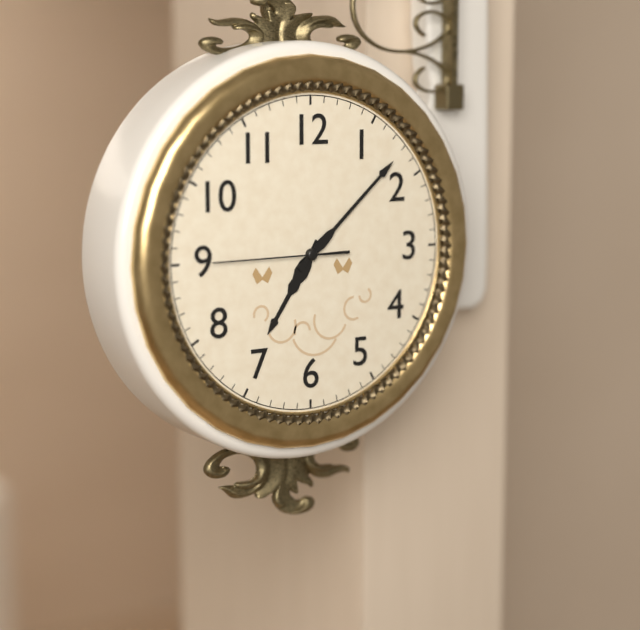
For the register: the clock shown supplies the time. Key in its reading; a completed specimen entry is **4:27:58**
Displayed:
**7:08:45**
